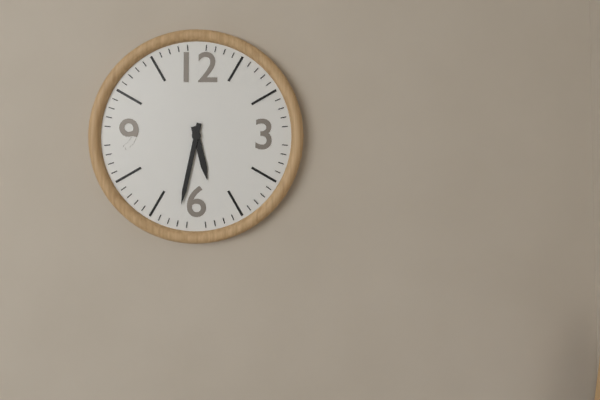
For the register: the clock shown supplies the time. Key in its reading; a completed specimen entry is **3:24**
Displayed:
**5:32**
